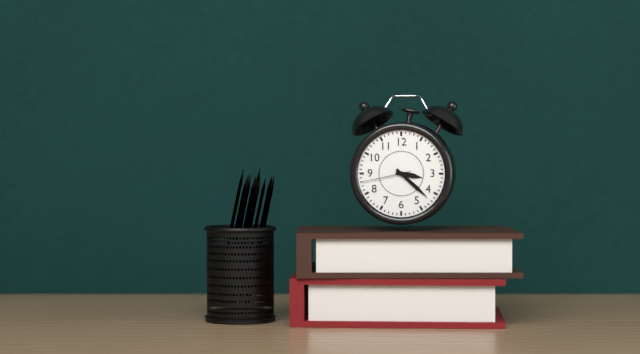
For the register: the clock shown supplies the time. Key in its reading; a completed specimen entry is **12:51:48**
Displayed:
**3:22:43**
